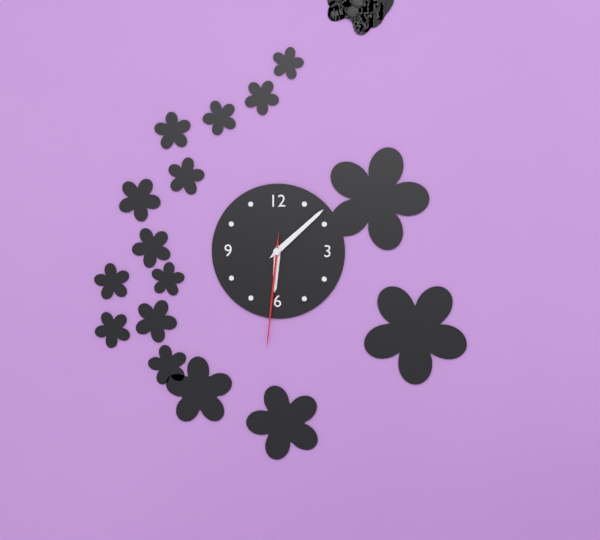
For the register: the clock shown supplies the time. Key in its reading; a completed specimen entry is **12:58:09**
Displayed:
**6:08:31**
